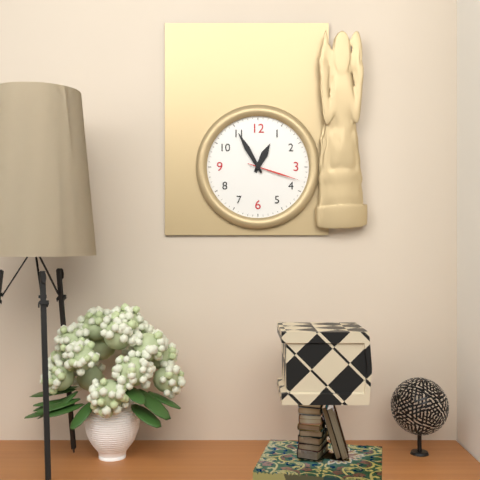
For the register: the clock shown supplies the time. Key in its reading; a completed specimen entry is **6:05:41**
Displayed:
**12:55:18**
